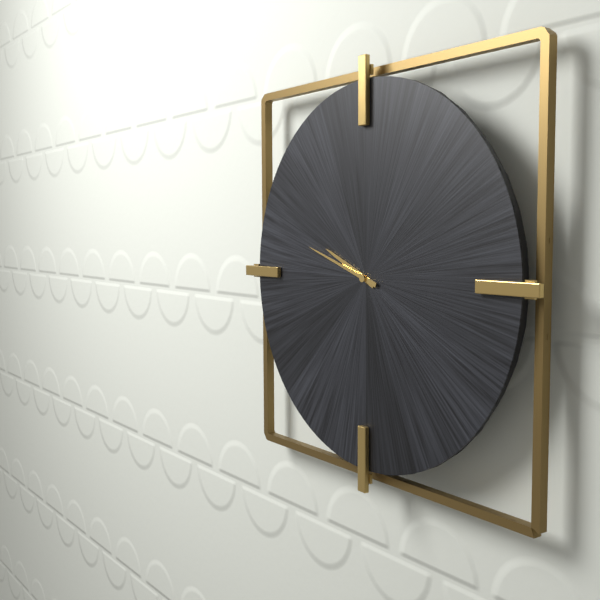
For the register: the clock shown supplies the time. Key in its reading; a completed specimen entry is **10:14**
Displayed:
**9:48**
